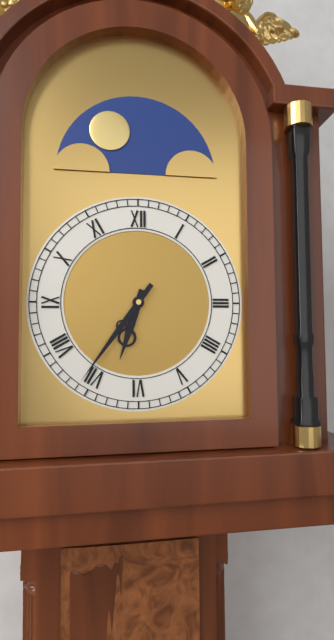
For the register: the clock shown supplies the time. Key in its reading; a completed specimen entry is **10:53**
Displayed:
**6:36**
